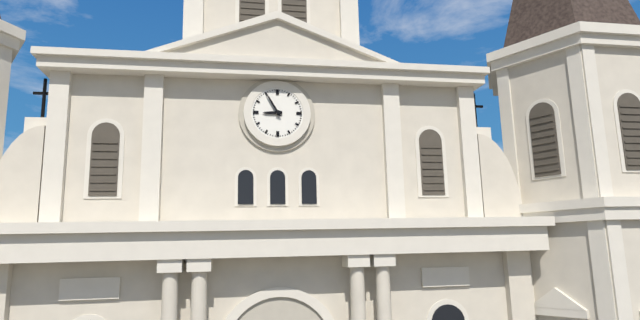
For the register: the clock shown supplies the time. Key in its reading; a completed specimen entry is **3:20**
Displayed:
**8:55**
